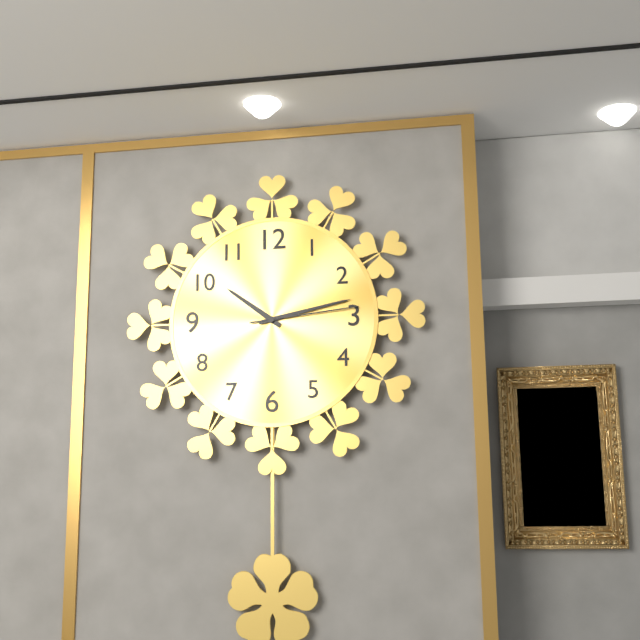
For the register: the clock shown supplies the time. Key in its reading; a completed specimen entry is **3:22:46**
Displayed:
**10:13:14**
